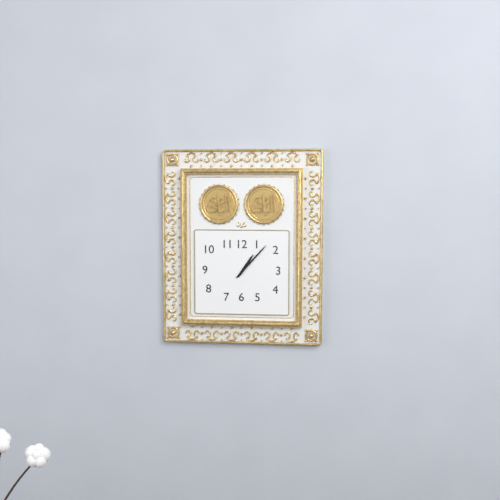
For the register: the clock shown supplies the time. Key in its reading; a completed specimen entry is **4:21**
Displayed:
**1:07**
